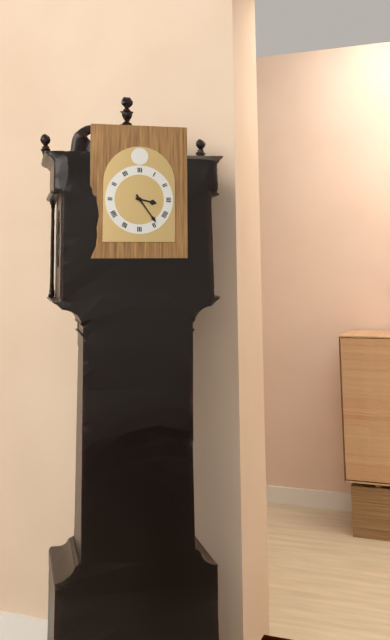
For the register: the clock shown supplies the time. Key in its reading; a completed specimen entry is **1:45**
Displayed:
**3:24**
